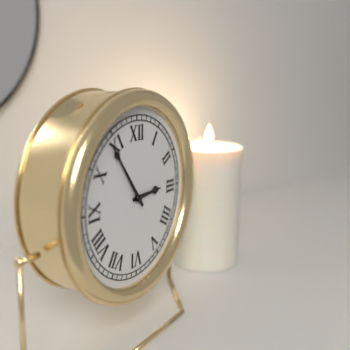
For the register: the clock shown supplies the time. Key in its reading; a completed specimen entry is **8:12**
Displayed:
**2:54**
